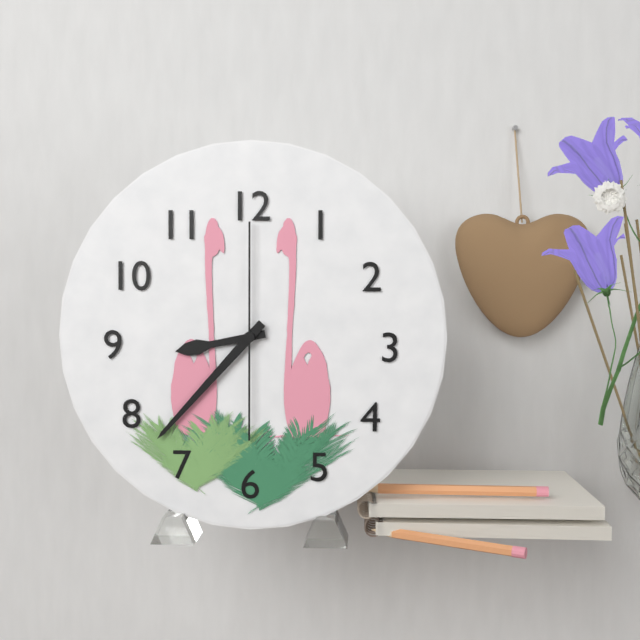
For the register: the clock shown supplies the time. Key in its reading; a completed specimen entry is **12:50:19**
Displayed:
**8:37:00**
